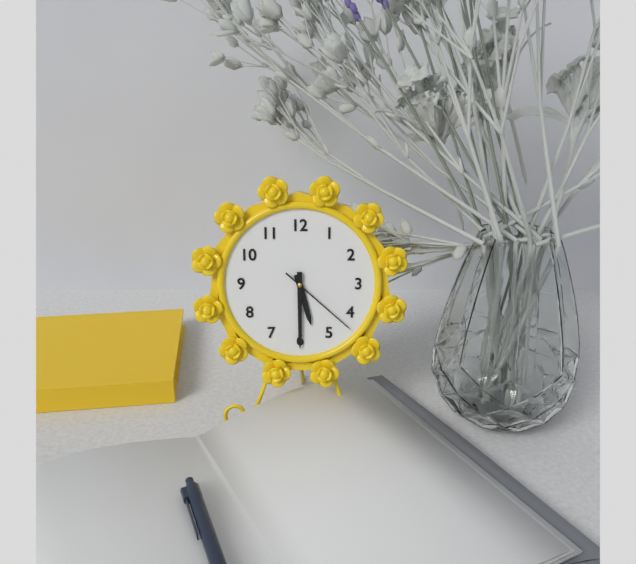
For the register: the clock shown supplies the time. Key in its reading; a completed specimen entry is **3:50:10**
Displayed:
**5:30:22**
